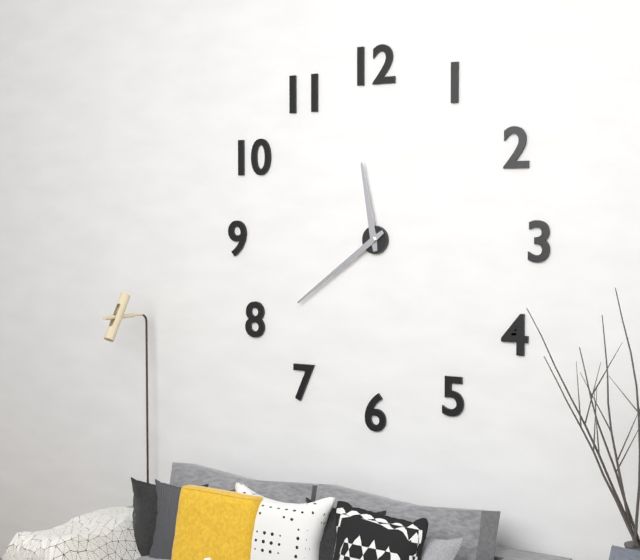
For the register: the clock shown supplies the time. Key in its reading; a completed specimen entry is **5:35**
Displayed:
**11:39**
